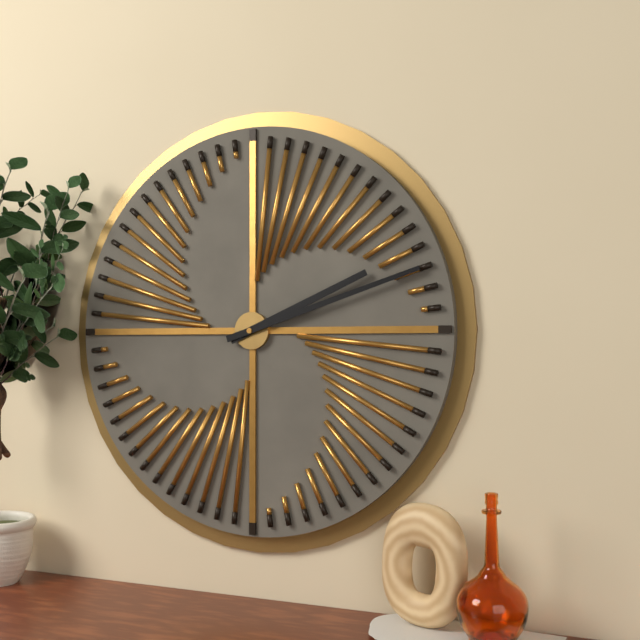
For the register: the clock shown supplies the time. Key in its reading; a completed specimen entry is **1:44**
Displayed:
**2:12**
